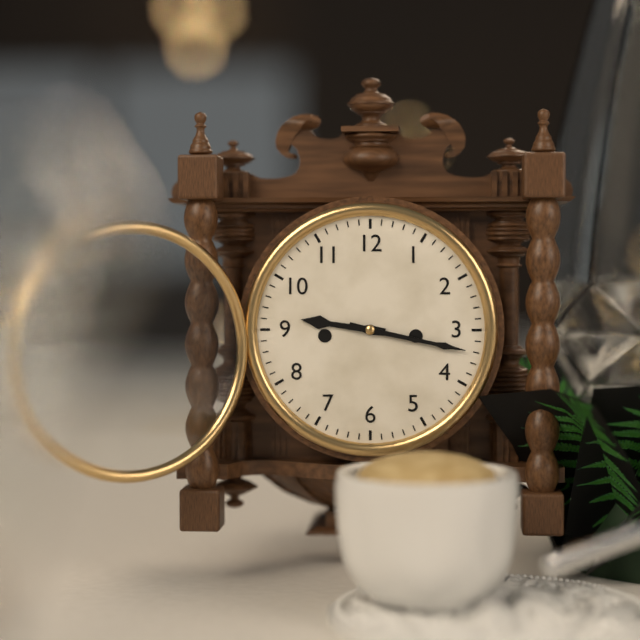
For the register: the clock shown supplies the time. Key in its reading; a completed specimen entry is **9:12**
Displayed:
**9:17**
